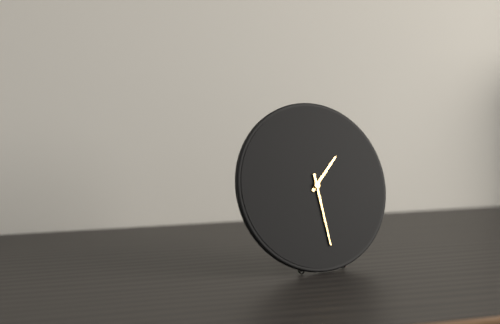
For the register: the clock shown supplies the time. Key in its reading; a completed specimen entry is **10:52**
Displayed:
**1:29**
